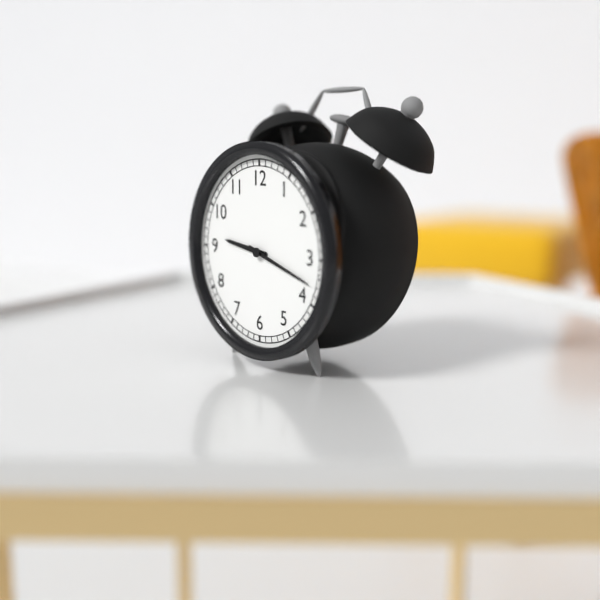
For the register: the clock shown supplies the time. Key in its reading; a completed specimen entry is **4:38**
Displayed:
**9:18**
